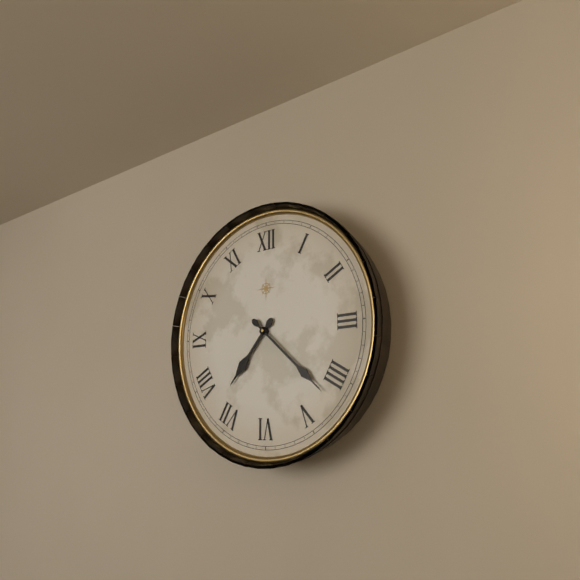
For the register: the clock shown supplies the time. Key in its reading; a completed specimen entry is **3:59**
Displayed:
**7:22**
